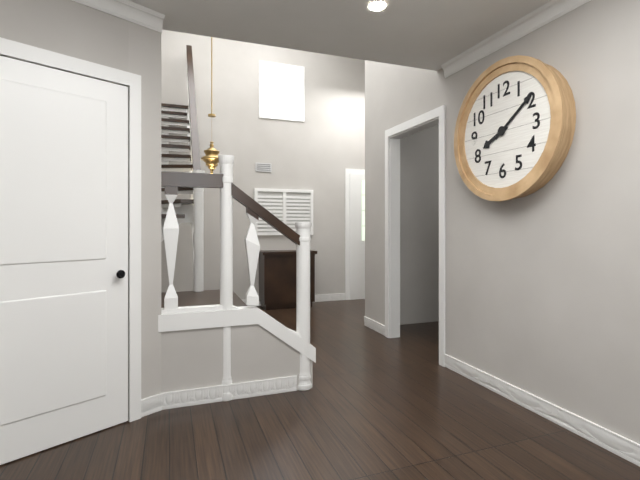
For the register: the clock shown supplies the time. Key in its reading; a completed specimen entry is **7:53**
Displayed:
**8:09**
